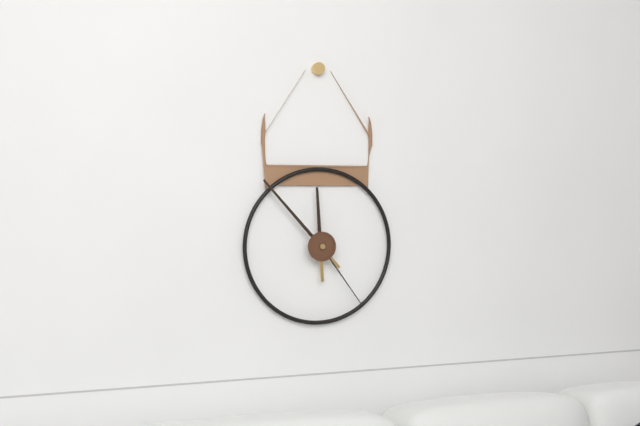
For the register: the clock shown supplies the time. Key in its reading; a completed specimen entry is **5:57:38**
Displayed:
**11:53:24**
